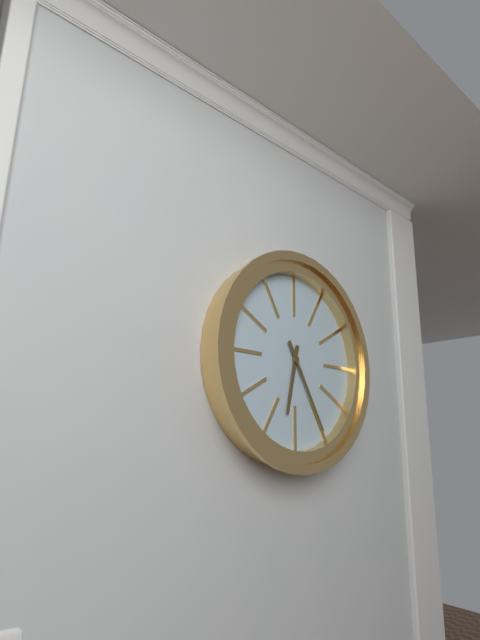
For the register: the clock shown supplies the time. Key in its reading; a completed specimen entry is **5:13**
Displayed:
**6:25**
